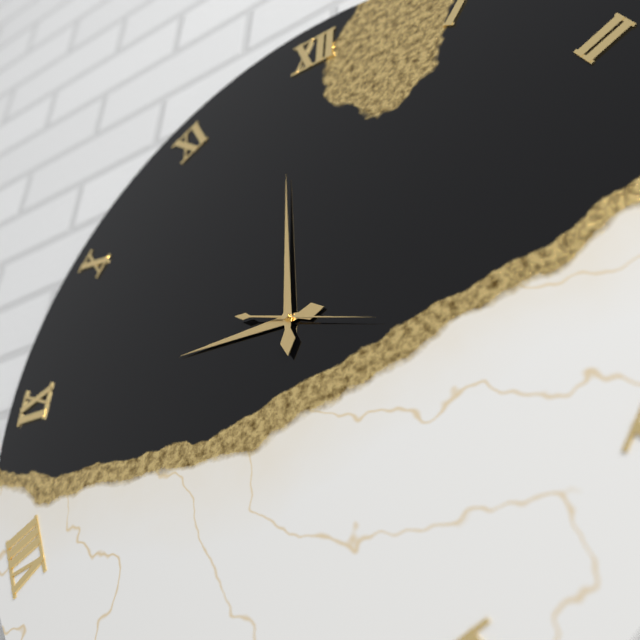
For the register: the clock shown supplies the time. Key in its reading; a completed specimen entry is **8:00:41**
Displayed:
**8:59:18**
